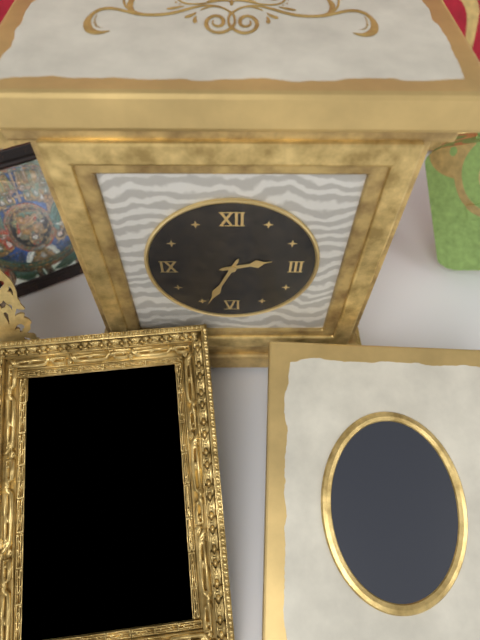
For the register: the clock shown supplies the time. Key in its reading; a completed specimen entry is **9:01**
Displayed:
**2:34**
